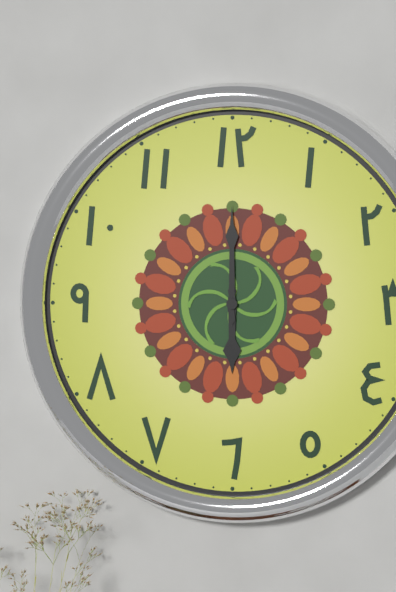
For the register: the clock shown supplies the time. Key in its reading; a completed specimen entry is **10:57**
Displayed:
**6:00**
